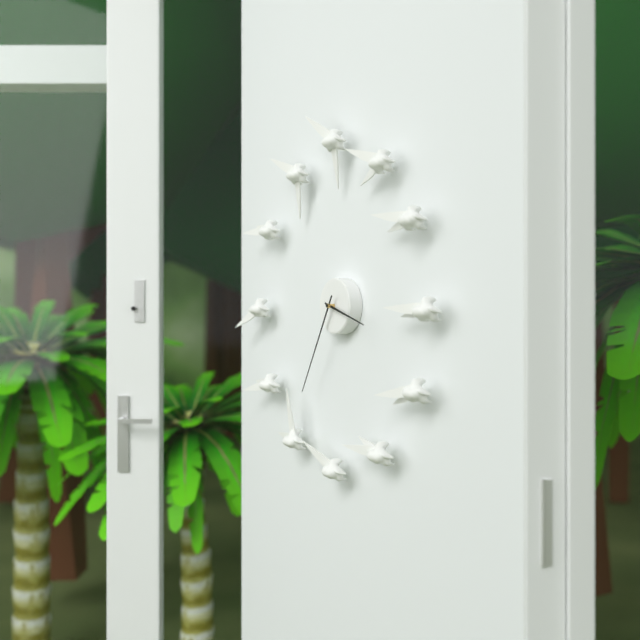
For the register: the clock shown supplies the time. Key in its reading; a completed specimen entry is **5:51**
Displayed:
**3:35**
